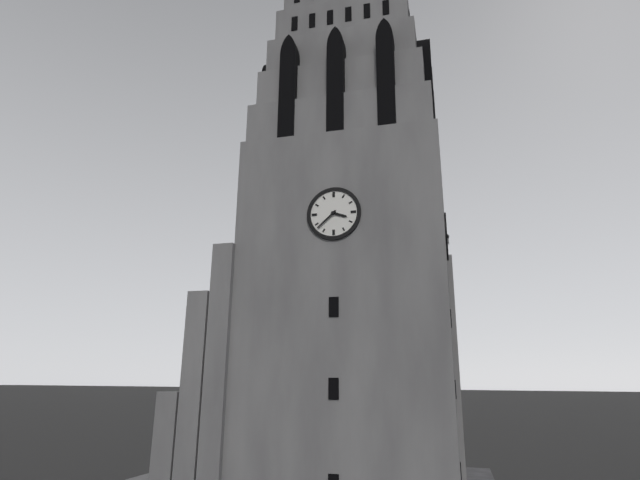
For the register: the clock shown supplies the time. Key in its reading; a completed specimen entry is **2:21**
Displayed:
**3:38**
